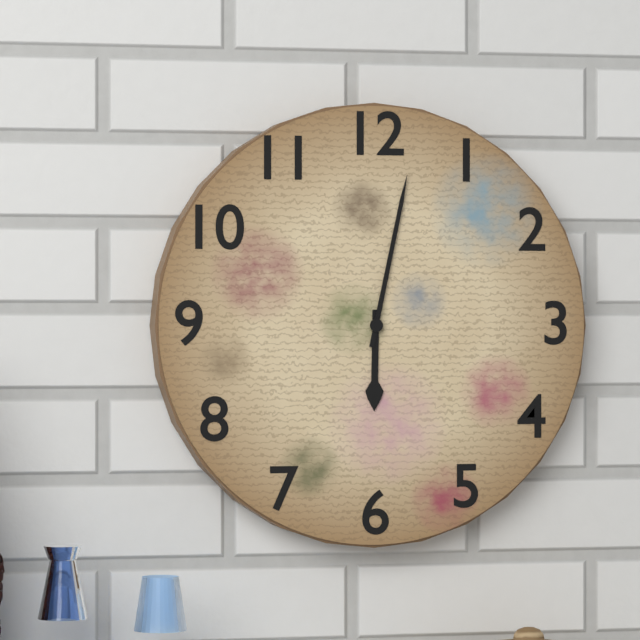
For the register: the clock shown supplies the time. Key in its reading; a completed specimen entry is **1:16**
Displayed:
**6:02**
